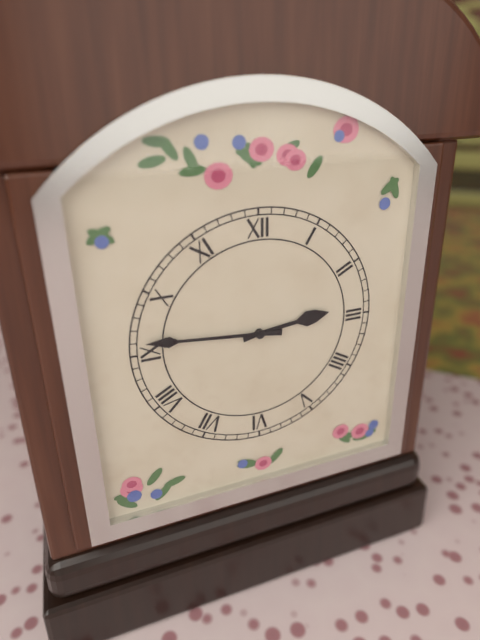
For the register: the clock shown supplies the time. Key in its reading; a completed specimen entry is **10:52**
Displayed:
**2:46**
